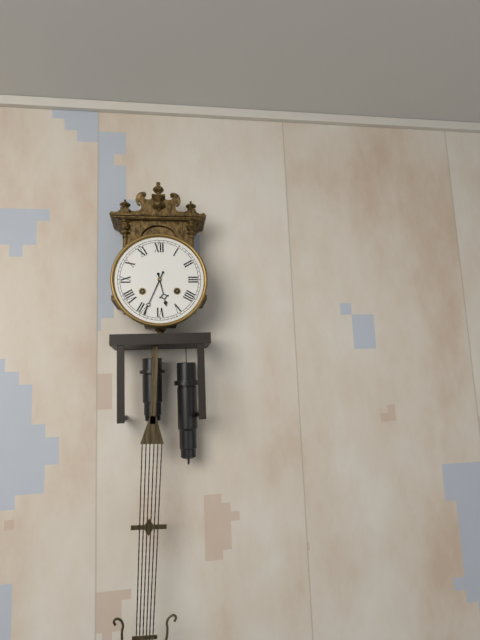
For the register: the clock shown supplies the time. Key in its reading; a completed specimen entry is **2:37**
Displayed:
**5:34**
